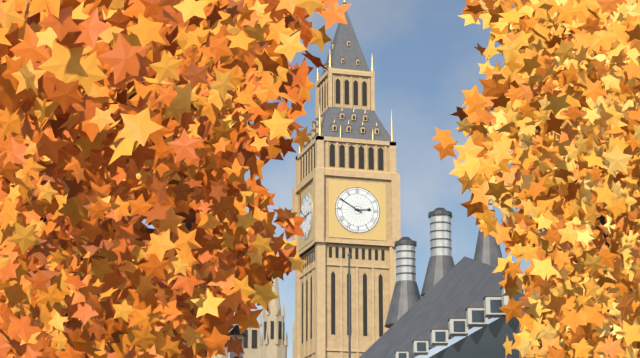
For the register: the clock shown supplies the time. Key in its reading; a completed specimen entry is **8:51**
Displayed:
**2:50**
